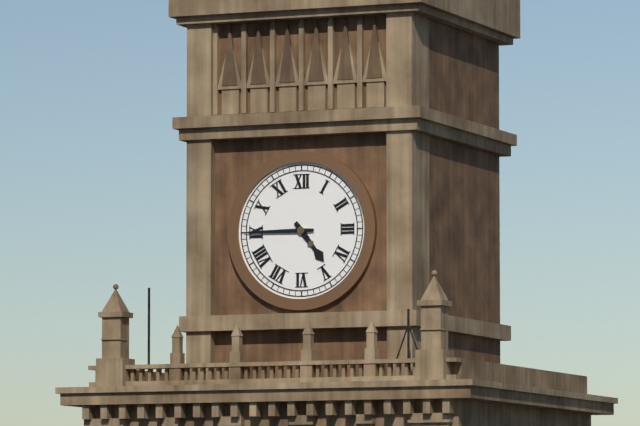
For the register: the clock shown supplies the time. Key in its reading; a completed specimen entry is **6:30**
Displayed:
**4:45**
